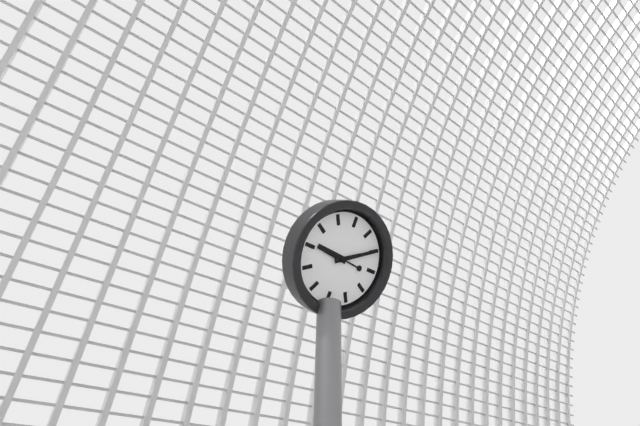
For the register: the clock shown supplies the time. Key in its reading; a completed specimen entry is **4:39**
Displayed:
**9:10**
